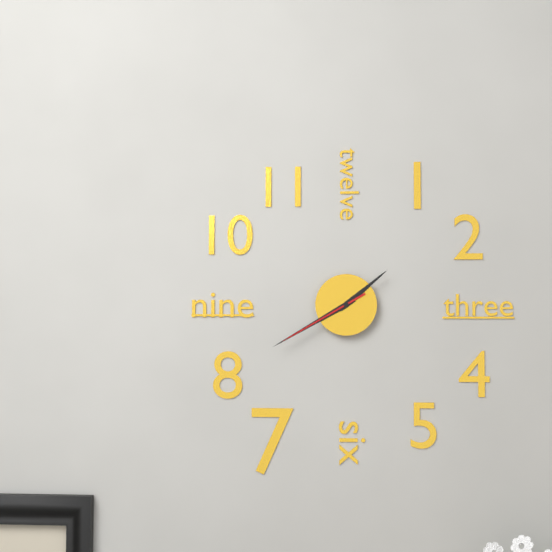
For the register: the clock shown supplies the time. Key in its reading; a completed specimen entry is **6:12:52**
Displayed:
**1:40:40**
